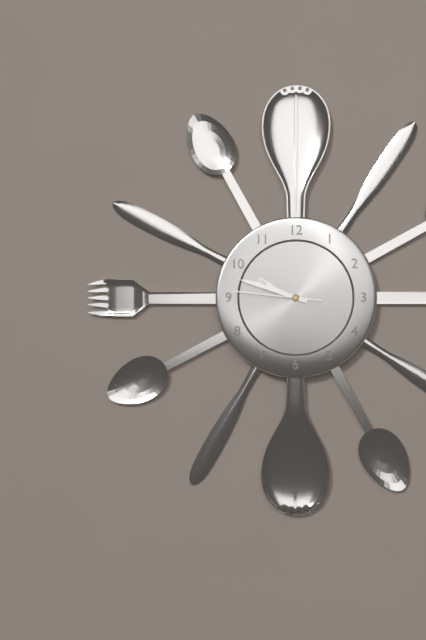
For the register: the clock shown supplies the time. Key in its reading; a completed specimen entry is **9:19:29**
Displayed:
**9:48:46**
